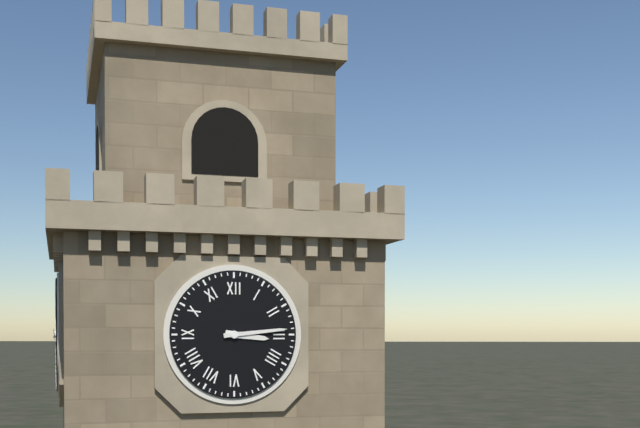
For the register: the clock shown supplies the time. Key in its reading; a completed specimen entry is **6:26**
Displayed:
**3:14**
